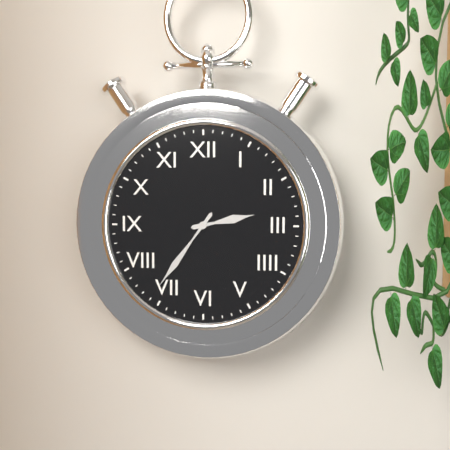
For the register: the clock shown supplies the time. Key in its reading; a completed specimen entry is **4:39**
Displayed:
**2:36**
